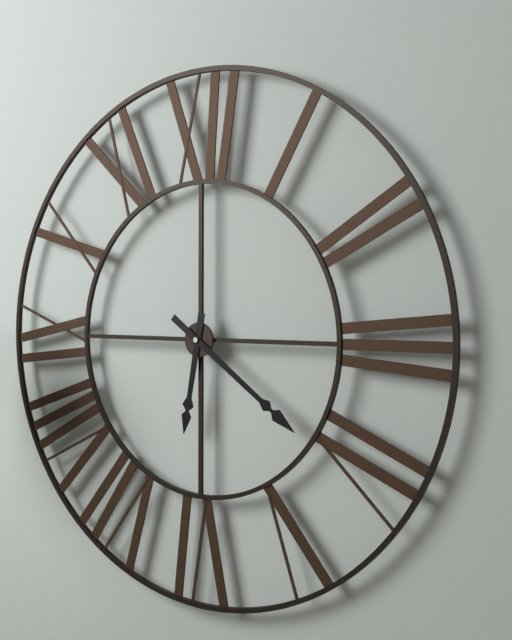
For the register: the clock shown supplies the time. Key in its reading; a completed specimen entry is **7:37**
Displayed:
**6:21**
